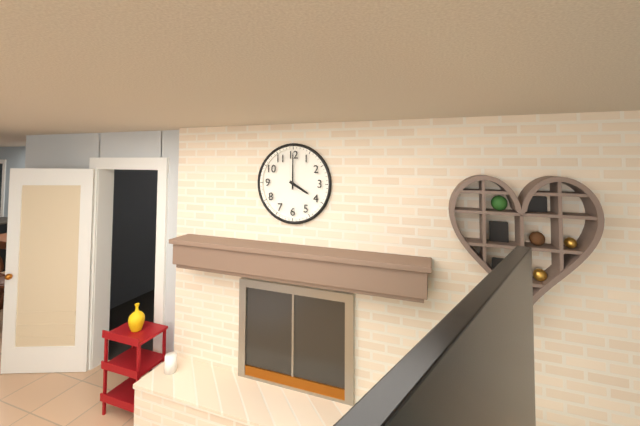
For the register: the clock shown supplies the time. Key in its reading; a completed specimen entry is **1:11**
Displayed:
**4:00**
